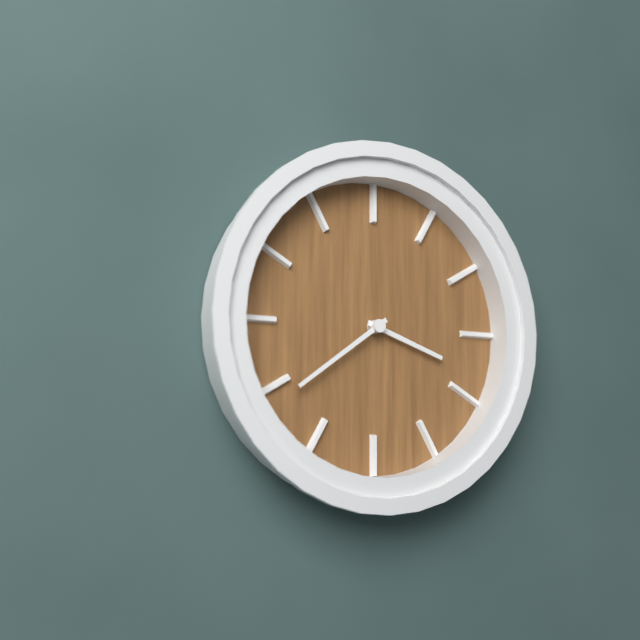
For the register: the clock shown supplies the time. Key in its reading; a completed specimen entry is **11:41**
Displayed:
**3:39**
